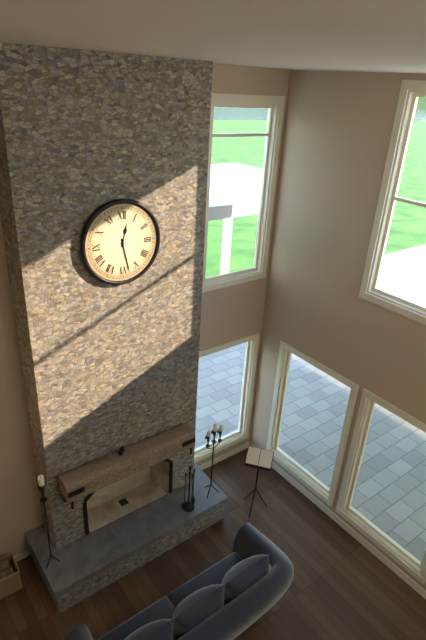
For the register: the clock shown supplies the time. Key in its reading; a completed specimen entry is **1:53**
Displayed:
**12:28**
